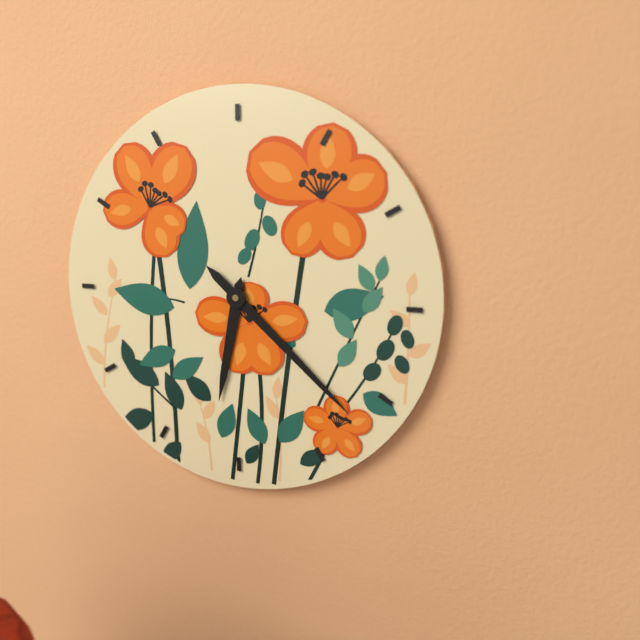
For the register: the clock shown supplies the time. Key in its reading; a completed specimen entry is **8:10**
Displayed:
**6:22**
